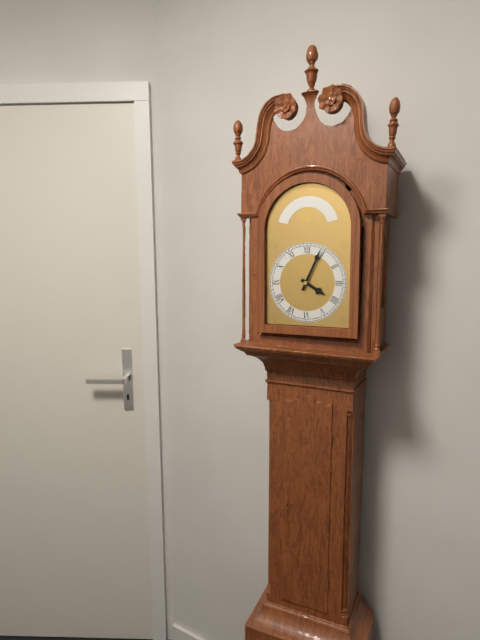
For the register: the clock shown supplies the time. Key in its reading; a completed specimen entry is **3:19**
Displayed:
**4:04**
